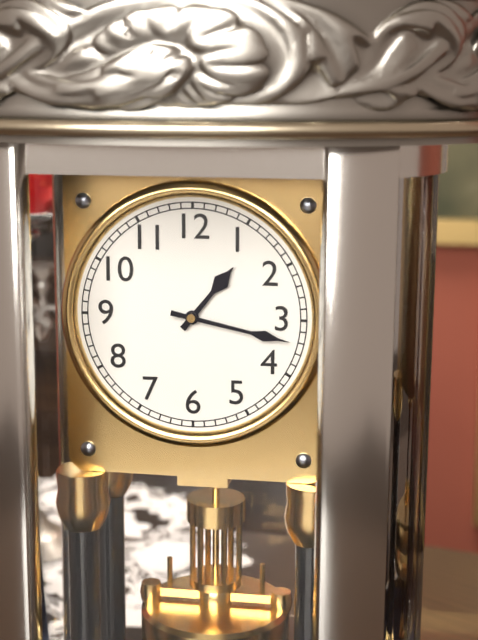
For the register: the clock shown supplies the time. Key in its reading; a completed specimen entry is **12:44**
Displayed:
**1:17**
